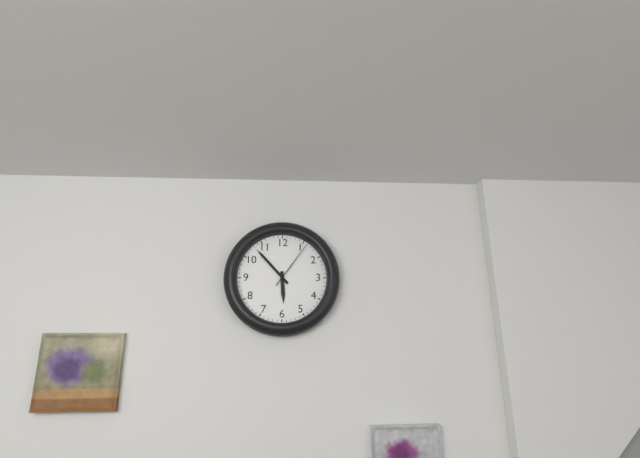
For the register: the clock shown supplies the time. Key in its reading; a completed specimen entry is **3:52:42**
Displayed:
**5:53:06**
